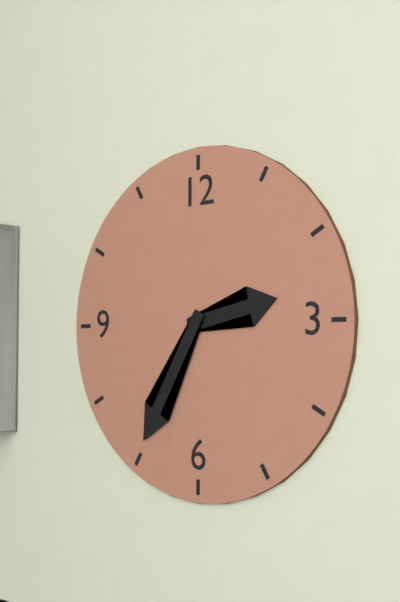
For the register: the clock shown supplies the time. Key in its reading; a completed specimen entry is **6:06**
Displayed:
**2:35**
